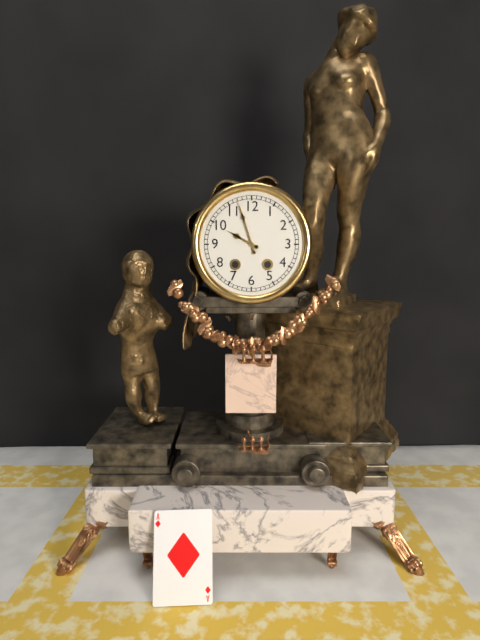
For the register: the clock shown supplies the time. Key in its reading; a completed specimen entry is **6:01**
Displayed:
**9:57**
